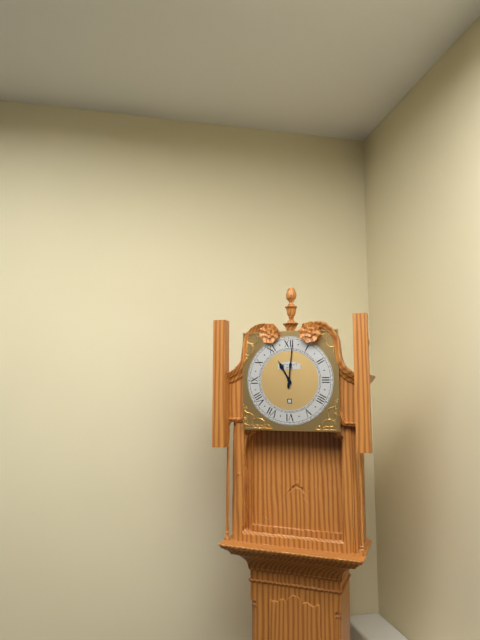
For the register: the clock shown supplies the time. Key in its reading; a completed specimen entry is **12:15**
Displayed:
**11:01**
